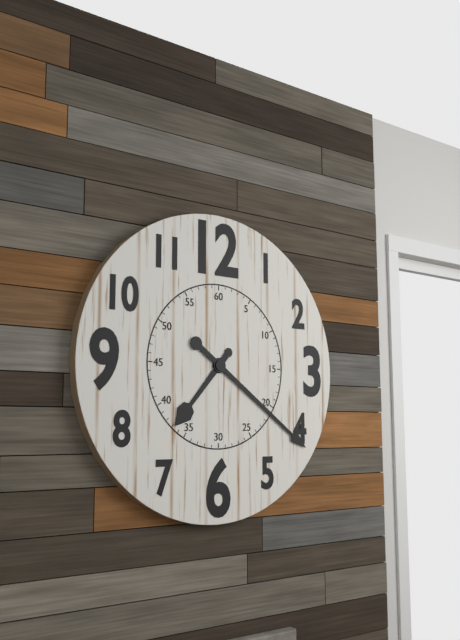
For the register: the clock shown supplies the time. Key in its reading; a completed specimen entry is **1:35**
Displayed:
**7:21**
